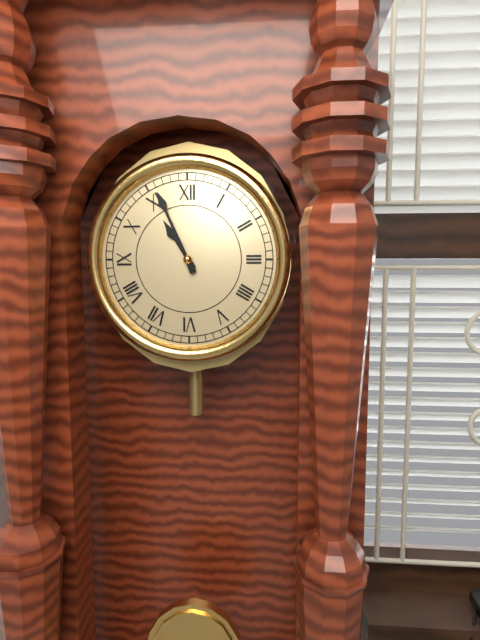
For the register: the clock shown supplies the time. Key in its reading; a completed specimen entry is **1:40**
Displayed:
**10:56**
